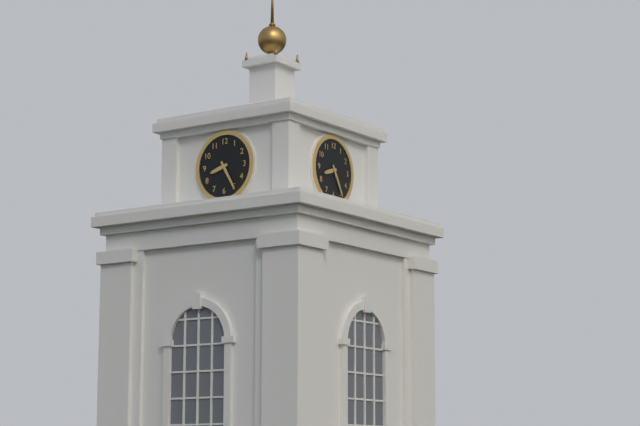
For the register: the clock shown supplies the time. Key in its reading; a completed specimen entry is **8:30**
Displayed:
**8:25**
